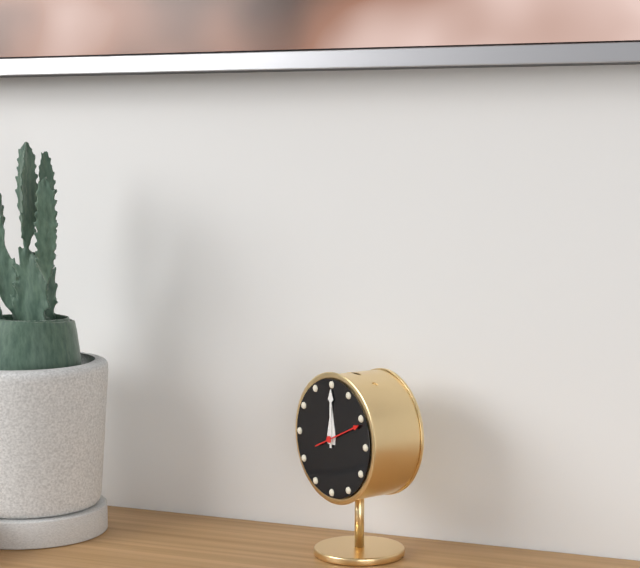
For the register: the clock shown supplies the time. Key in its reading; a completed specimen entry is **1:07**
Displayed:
**12:00**
